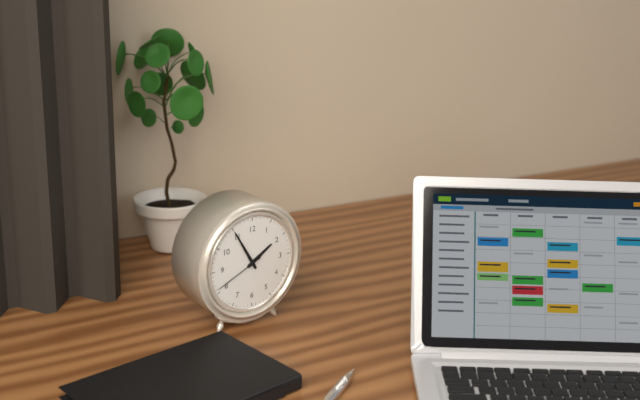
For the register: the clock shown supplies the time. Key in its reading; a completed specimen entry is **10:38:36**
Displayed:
**1:55:41**
